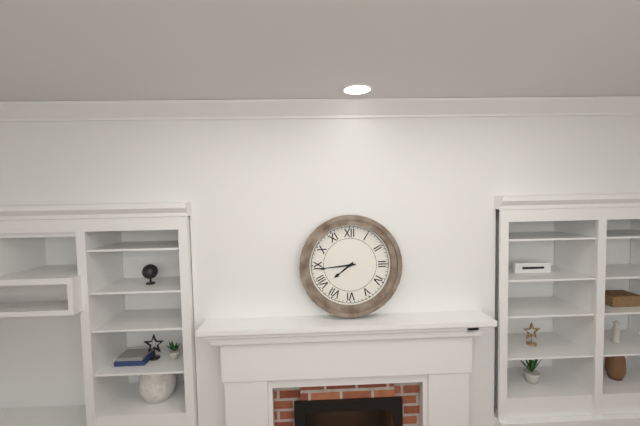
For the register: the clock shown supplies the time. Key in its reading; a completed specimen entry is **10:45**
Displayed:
**7:44**
